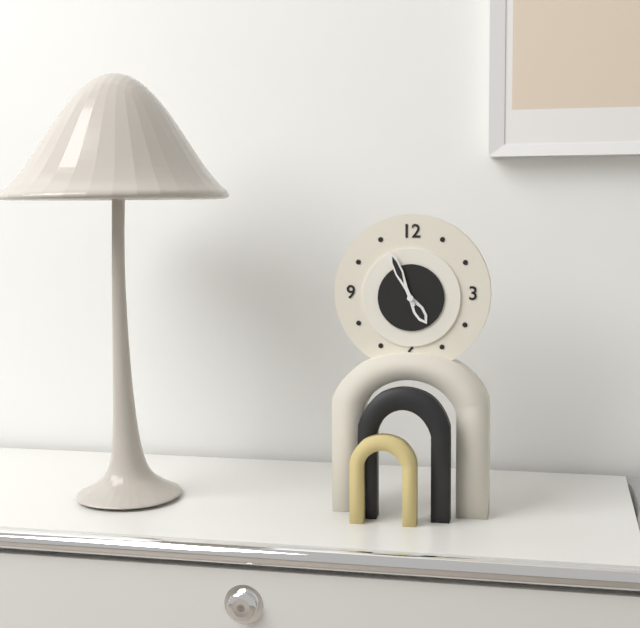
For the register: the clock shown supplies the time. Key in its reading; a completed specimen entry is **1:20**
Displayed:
**4:56**
